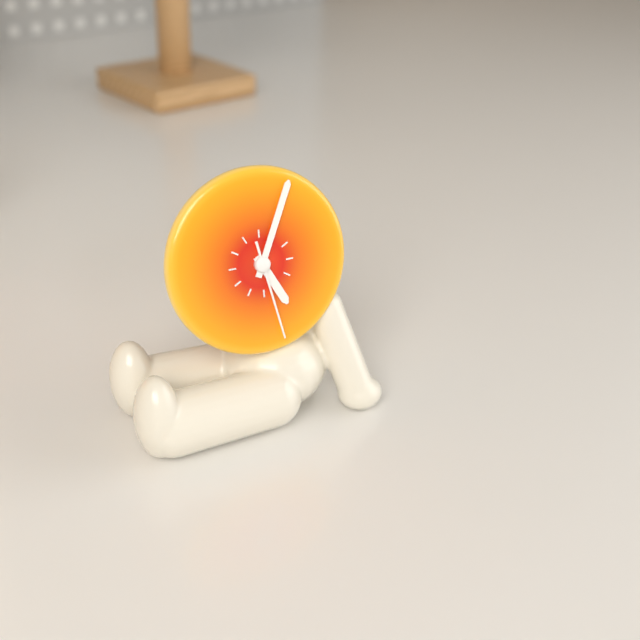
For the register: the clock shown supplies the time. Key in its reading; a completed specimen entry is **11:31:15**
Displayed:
**5:04:28**
